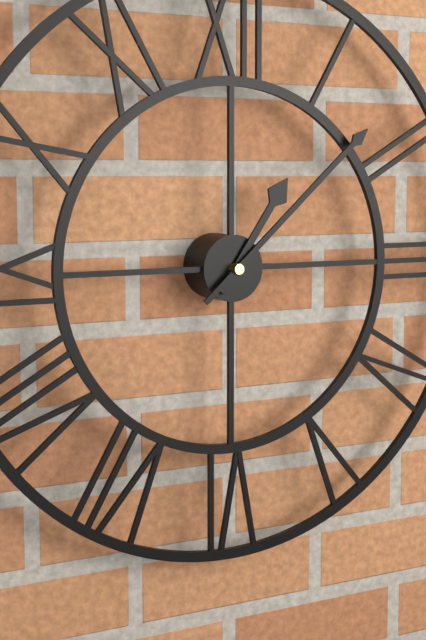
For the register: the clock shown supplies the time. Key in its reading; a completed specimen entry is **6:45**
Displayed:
**1:08**
